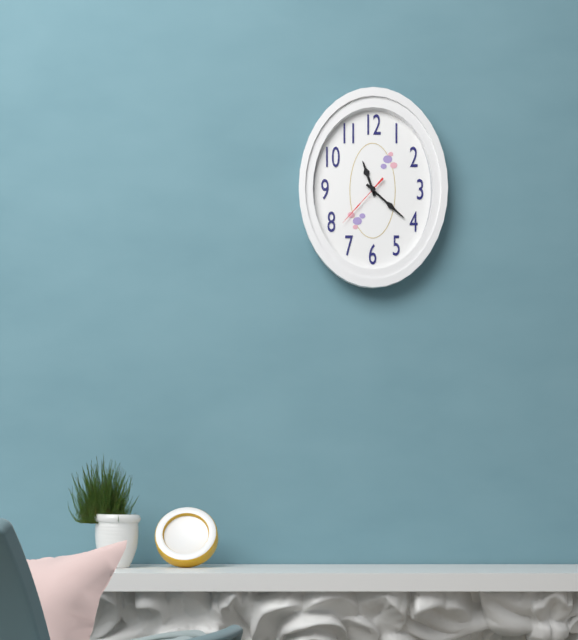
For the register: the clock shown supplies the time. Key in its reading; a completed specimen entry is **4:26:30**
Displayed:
**11:22:37**
